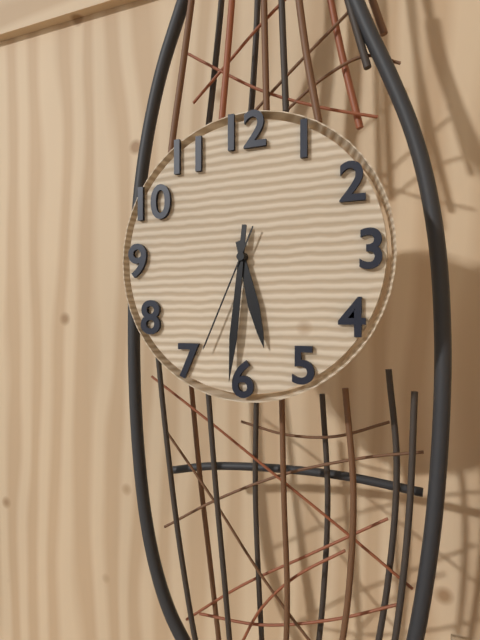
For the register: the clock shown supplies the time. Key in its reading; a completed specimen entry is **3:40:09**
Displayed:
**5:31:34**
